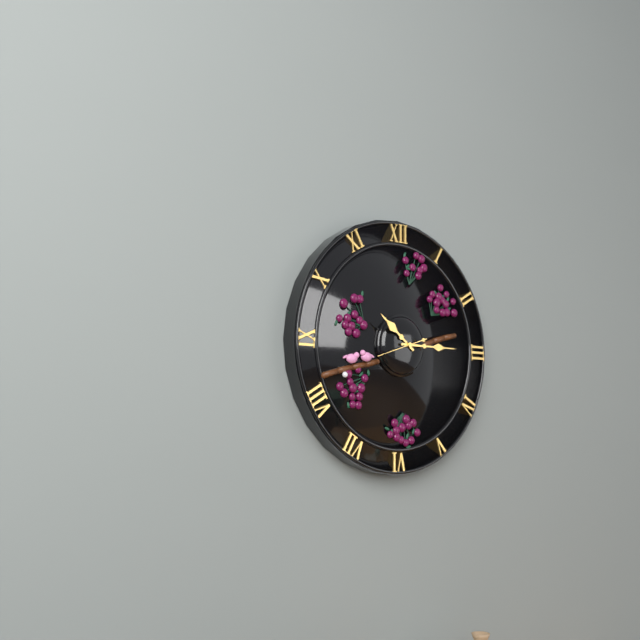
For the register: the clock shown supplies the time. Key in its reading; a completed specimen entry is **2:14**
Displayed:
**10:15**
